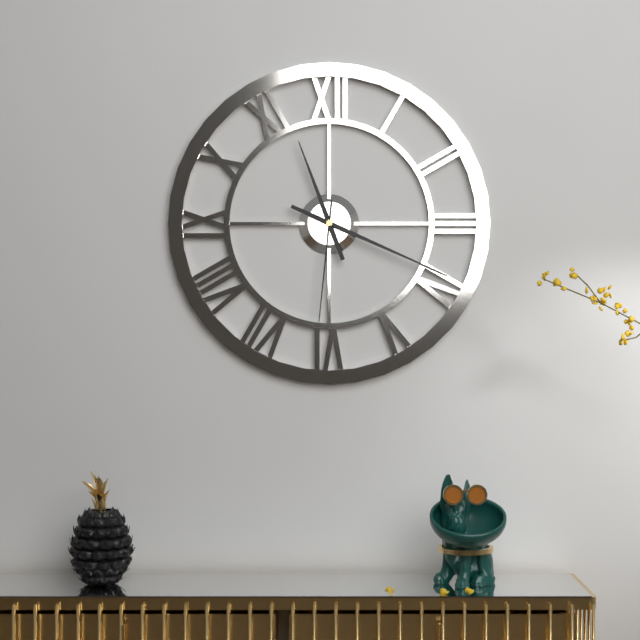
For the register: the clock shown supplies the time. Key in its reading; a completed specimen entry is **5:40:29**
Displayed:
**11:19:31**
